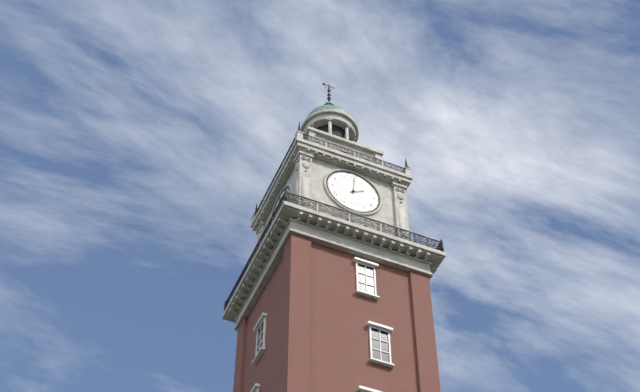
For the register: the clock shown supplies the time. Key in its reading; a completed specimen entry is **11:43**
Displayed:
**2:01**
